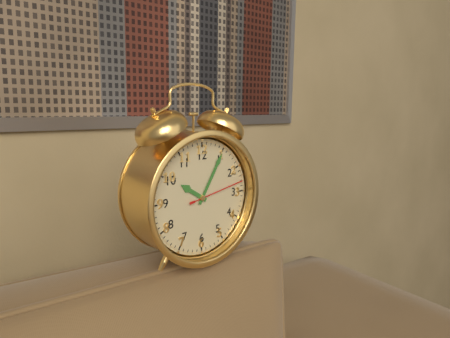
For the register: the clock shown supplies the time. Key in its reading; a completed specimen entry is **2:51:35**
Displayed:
**10:05:13**
